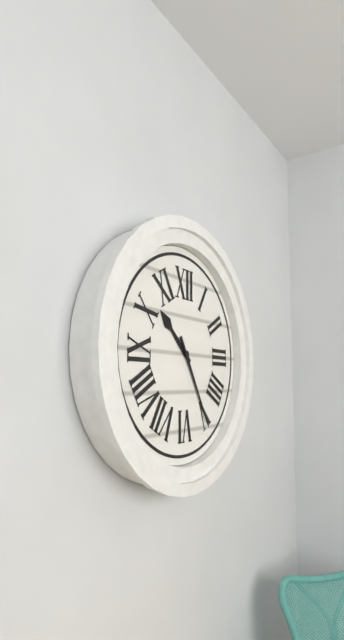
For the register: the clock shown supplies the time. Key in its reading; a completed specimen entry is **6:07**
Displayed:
**10:25**
